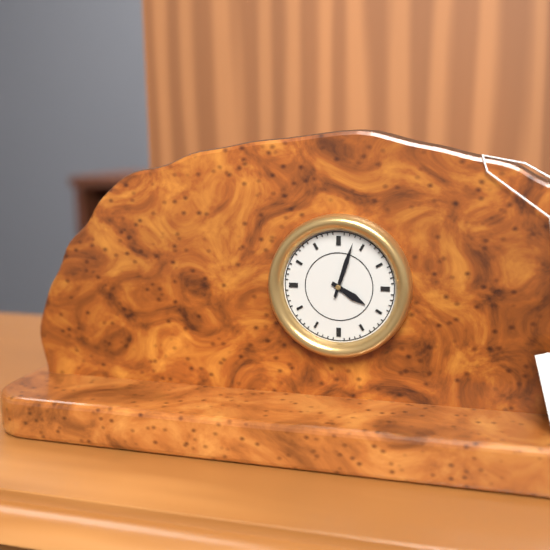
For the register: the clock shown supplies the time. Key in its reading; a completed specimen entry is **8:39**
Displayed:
**4:03**
